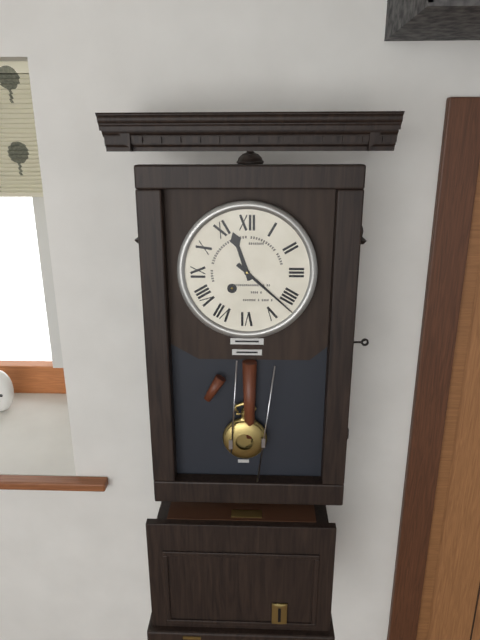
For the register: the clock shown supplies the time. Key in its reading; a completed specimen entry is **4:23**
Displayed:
**11:22**
